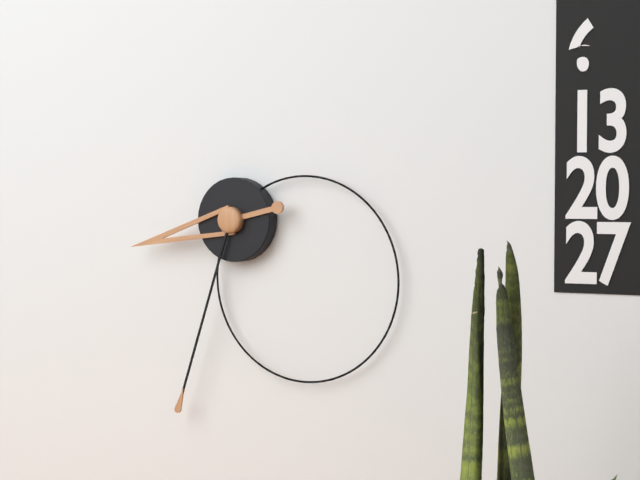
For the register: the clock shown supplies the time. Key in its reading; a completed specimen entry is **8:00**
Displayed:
**8:33**
